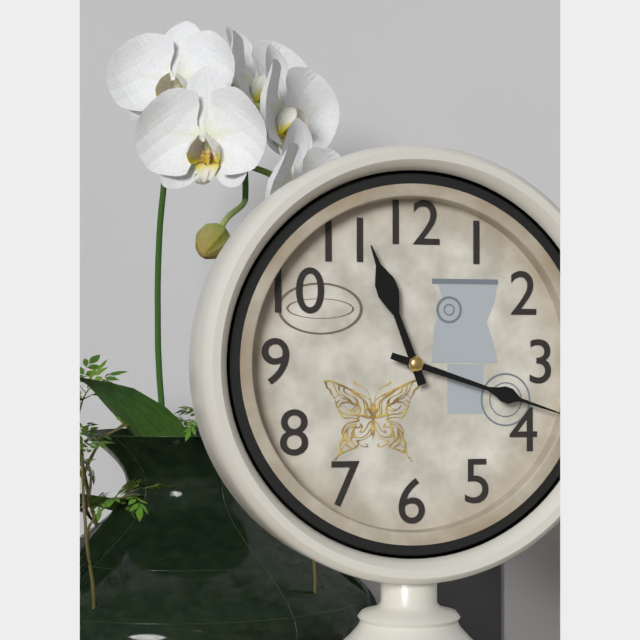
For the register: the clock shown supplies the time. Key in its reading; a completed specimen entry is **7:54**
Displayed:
**11:18**
